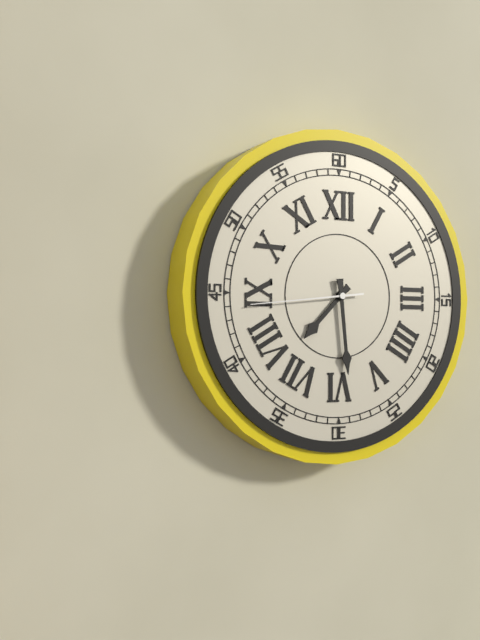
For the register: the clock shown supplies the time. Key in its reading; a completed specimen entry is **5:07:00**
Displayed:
**7:29:44**
